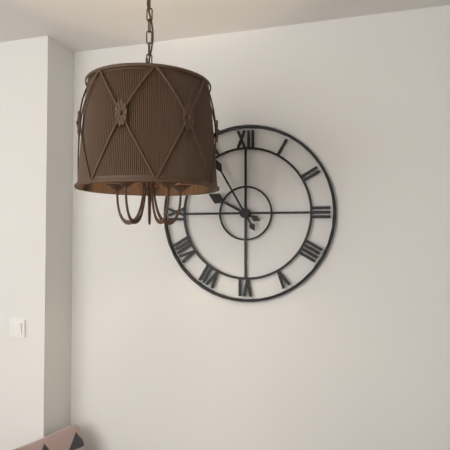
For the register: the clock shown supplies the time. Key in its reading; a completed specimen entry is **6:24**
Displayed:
**9:55**
